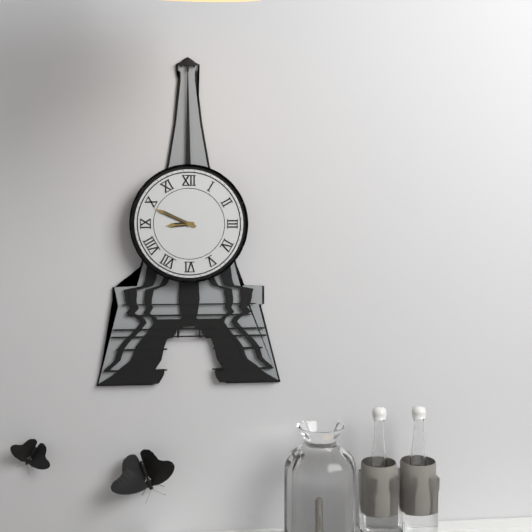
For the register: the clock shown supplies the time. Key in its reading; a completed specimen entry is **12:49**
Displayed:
**8:49**
